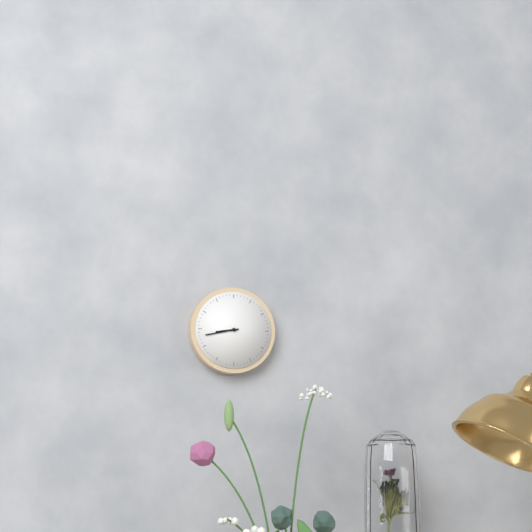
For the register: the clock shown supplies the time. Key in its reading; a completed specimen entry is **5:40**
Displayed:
**8:43**
